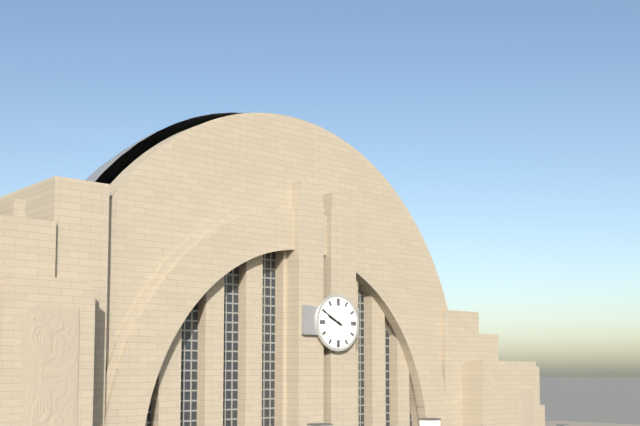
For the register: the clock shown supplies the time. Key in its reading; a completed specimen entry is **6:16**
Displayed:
**9:50**
